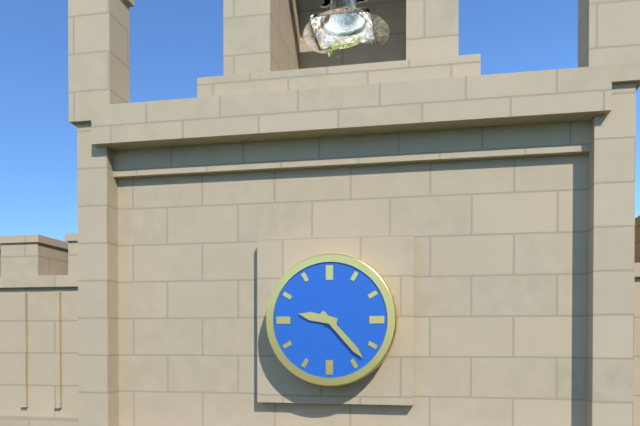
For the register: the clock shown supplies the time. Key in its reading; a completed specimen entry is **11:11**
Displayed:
**9:23**
